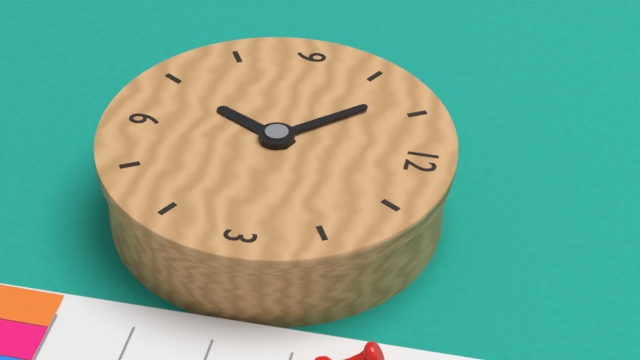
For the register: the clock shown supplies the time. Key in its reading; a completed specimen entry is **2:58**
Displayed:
**6:53**
